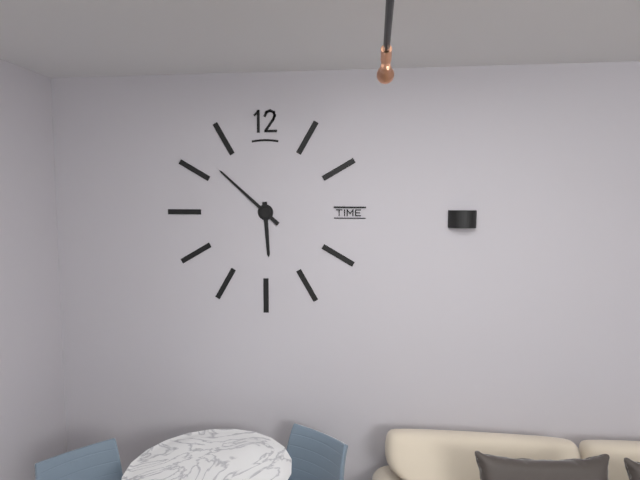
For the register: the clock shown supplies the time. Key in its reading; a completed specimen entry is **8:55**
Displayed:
**5:52**
